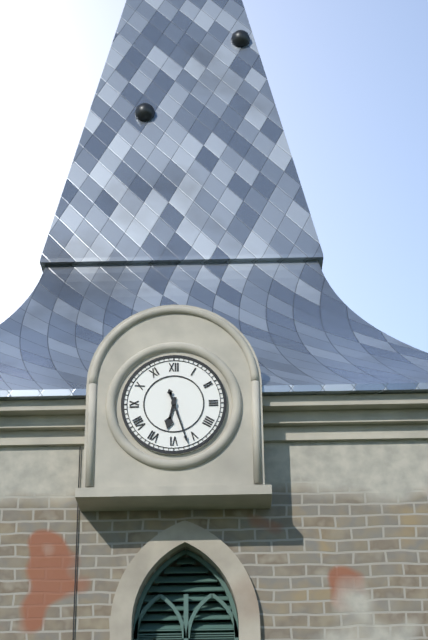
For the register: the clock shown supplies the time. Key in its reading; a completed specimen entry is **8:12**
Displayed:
**6:27**
